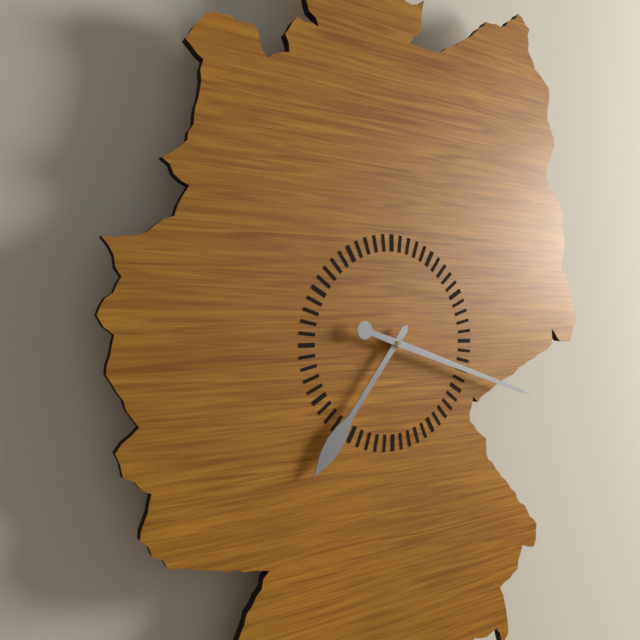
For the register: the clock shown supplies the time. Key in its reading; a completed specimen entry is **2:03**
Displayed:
**7:18**
